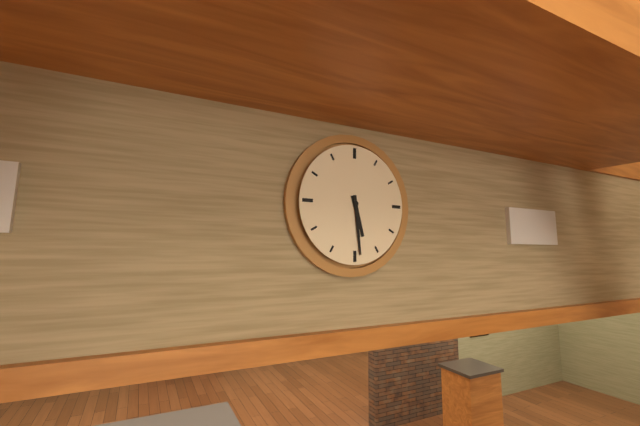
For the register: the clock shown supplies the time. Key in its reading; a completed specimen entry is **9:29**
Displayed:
**5:29**
